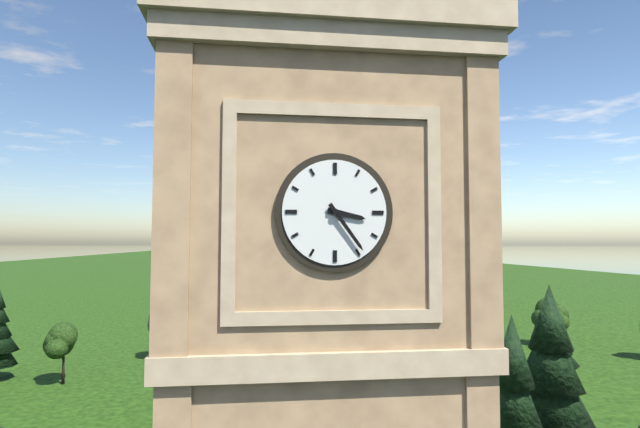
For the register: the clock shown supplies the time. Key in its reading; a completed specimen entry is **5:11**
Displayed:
**3:24**
